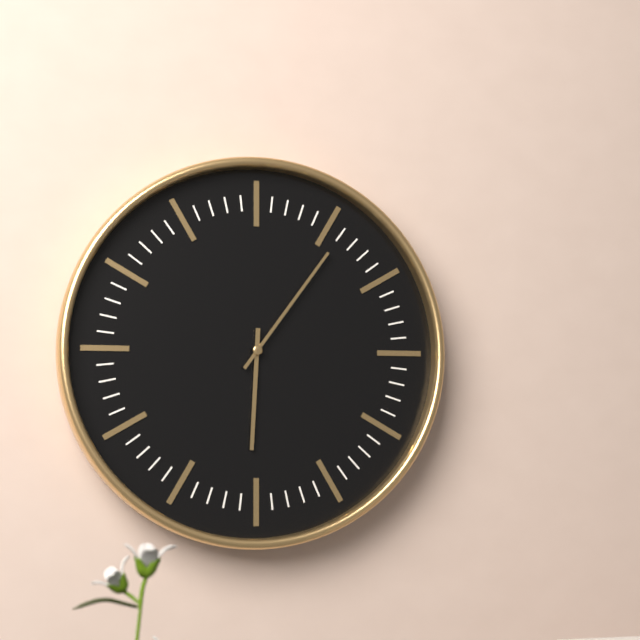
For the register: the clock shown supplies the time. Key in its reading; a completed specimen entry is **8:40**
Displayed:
**6:06**
